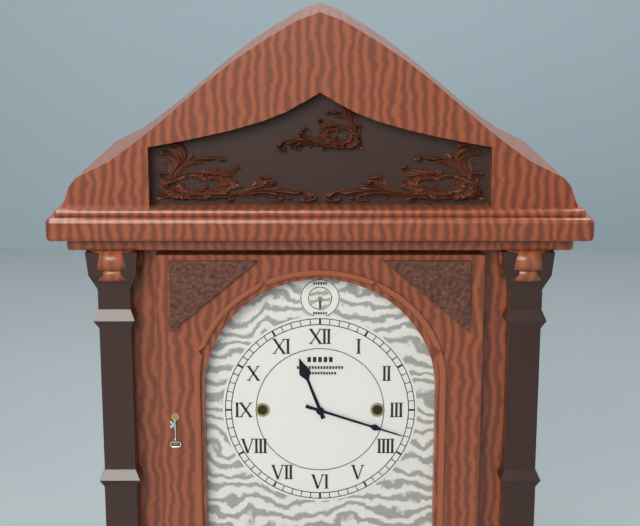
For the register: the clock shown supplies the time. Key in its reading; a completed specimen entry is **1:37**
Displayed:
**11:18**
